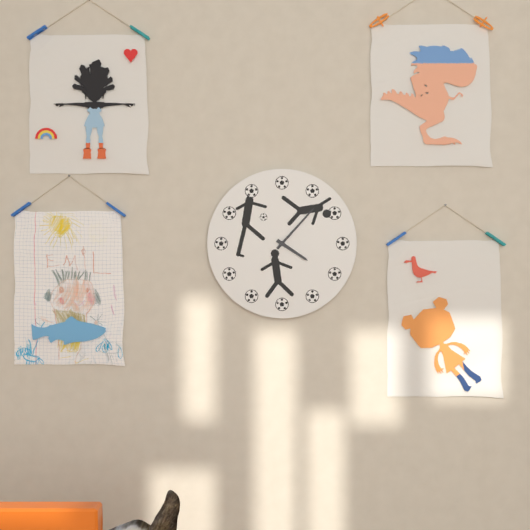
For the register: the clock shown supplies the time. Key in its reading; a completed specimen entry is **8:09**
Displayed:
**4:07**
